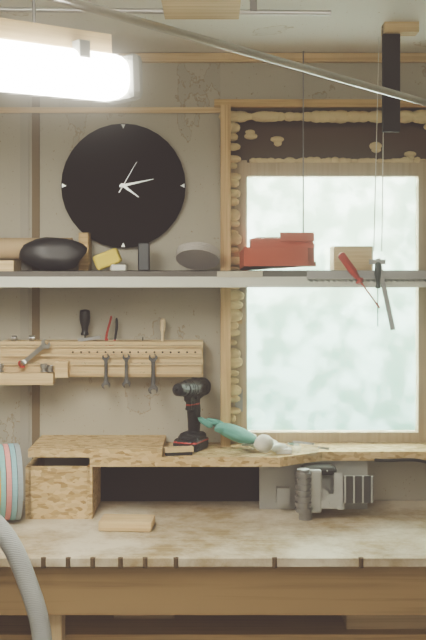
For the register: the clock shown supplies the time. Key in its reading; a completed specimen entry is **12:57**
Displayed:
**4:13**
